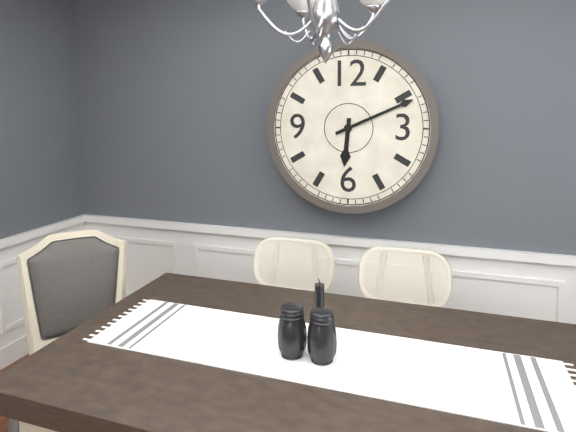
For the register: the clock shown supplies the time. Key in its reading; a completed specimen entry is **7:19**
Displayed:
**6:11**
